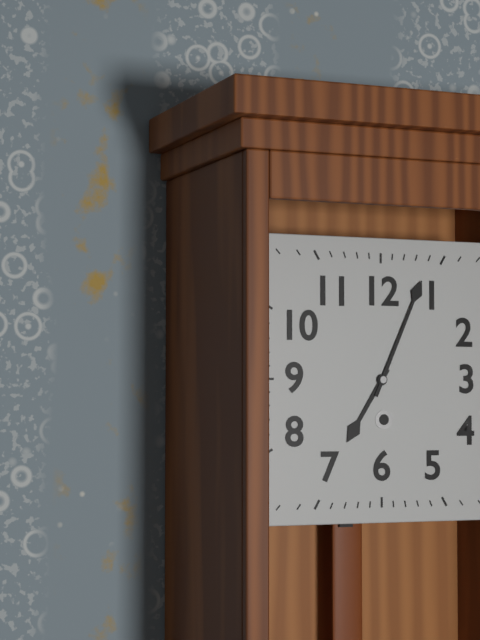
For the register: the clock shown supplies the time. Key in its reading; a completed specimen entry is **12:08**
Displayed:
**7:04**
